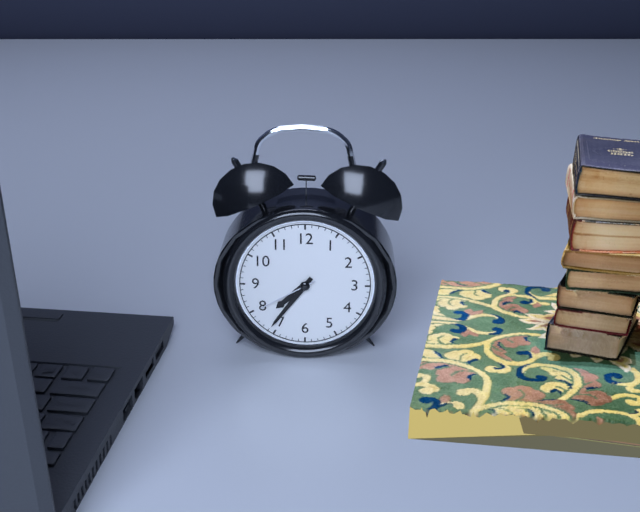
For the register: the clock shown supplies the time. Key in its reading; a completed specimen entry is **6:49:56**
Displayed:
**7:36:40**
